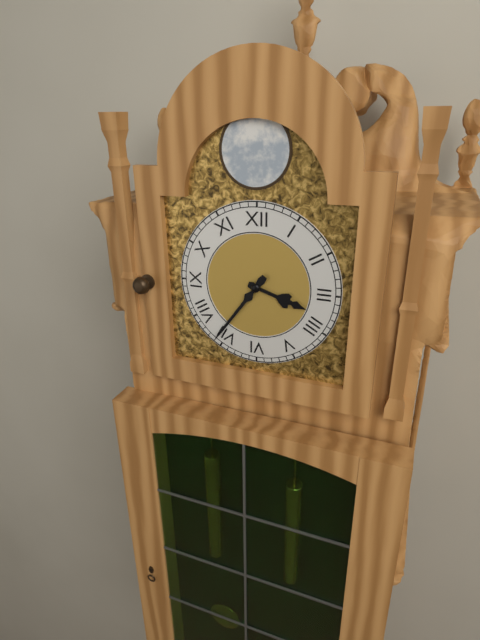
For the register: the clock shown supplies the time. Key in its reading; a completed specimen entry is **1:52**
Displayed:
**3:36**
